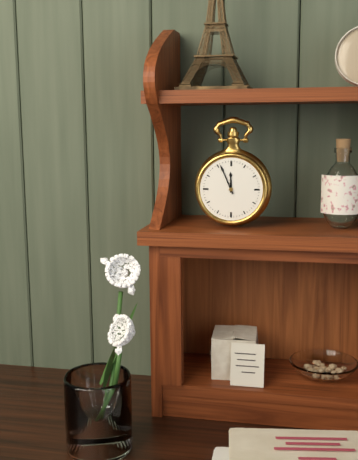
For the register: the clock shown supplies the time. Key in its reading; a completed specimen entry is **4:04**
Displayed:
**11:56**
